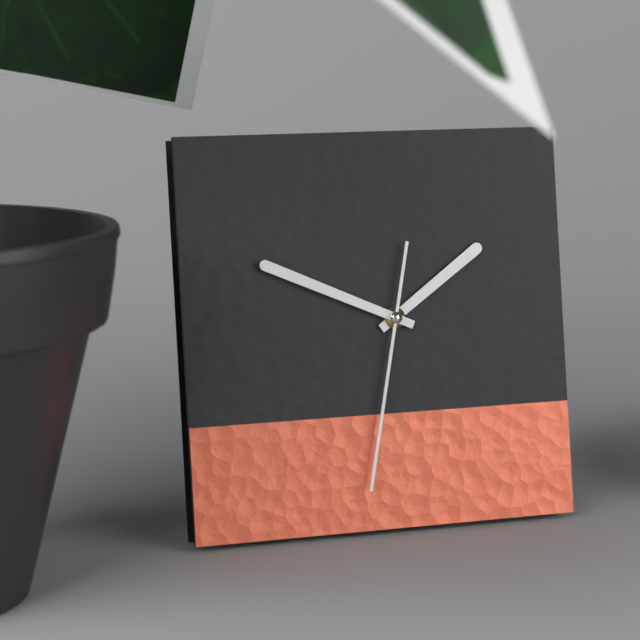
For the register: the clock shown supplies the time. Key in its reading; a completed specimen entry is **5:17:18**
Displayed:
**1:49:32**
